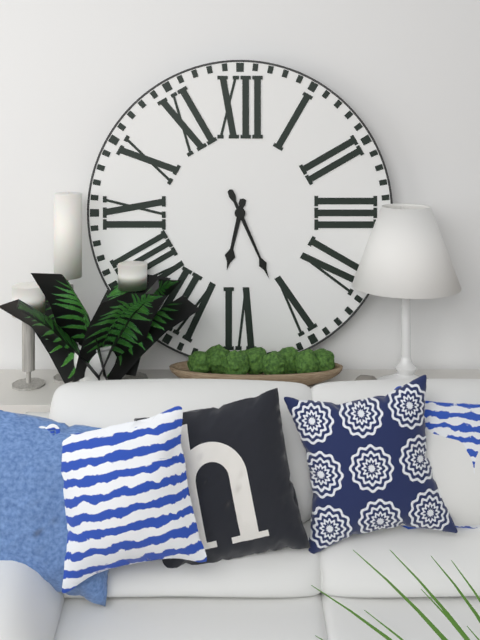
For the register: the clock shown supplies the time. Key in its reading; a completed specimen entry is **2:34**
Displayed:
**6:26**
